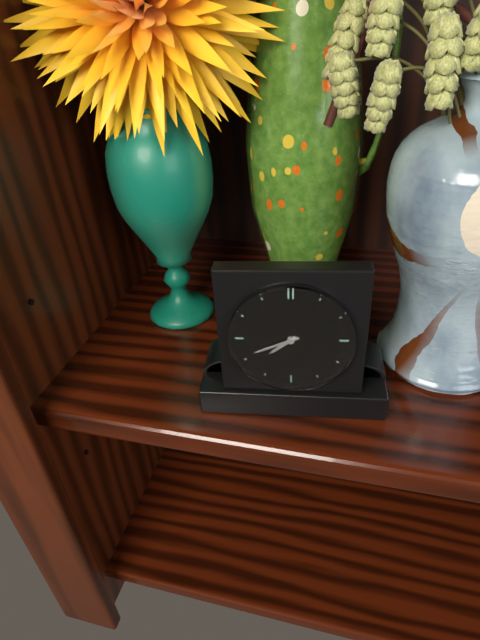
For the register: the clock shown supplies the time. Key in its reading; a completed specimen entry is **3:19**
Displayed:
**7:41**
